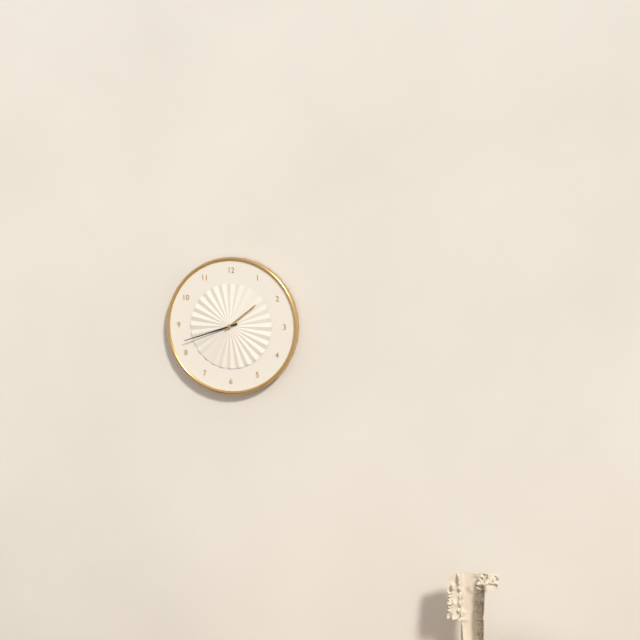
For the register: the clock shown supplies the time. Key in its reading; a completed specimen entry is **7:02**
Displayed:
**1:42**
